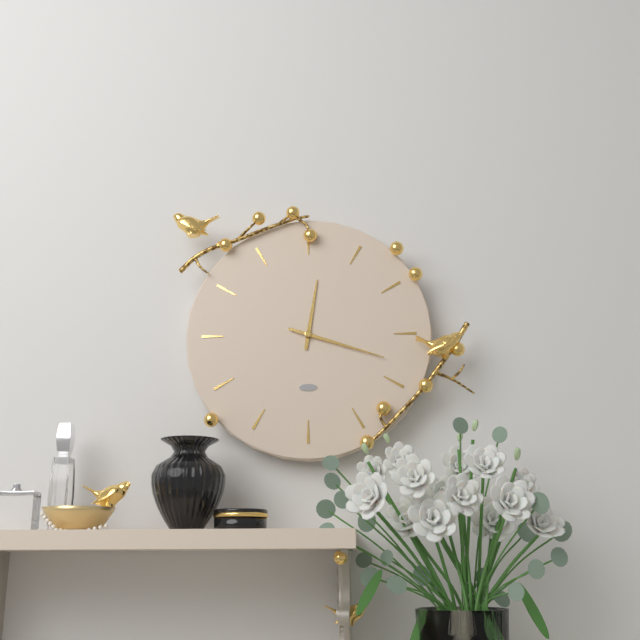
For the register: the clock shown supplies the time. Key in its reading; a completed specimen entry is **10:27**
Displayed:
**12:18**
